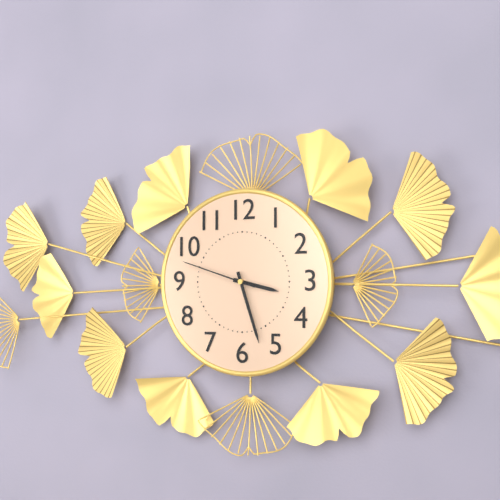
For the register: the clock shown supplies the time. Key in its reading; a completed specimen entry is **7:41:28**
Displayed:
**3:27:48**
